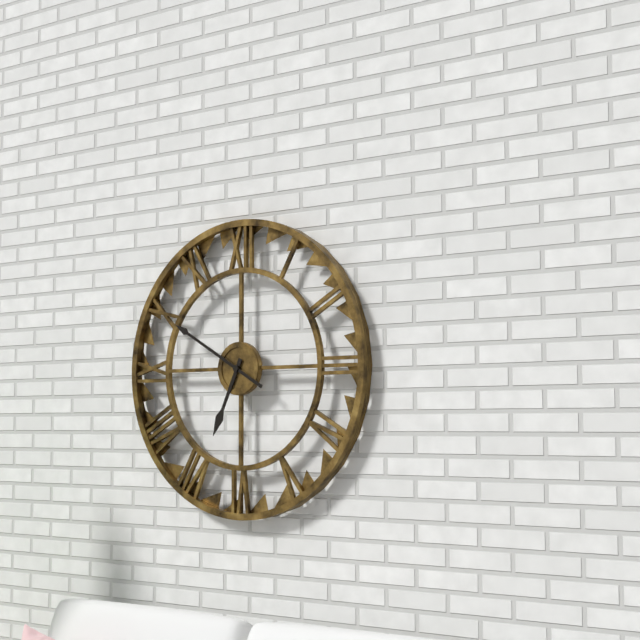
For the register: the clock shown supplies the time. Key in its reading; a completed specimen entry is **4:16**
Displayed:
**6:50**
